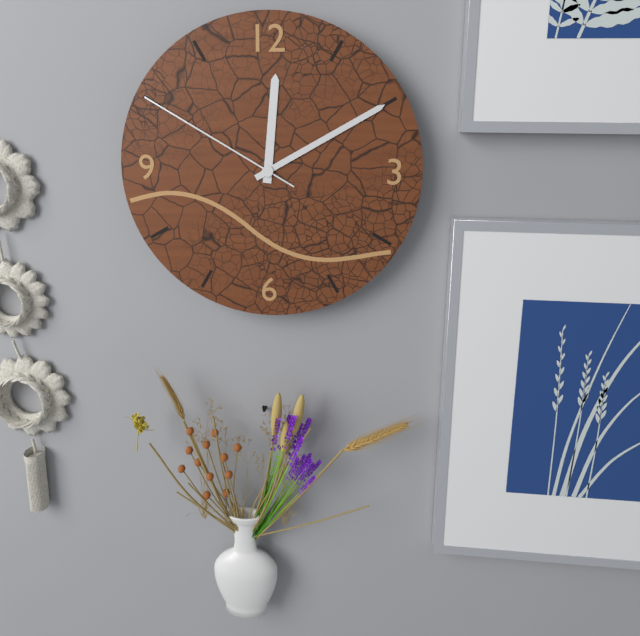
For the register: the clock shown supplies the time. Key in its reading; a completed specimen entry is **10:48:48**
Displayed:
**12:10:50**
